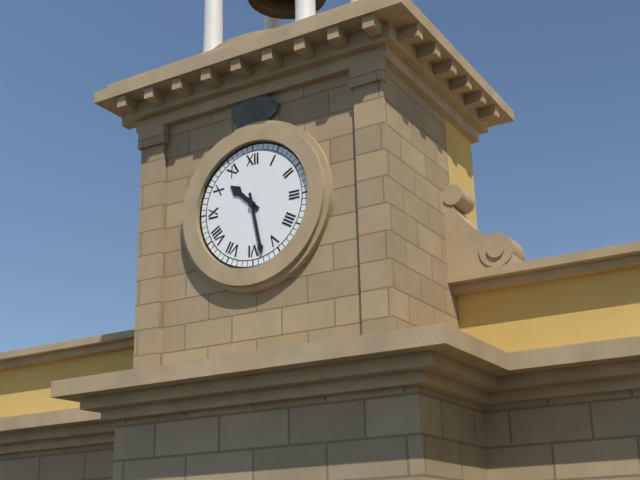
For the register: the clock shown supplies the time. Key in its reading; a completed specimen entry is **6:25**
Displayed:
**10:28**
